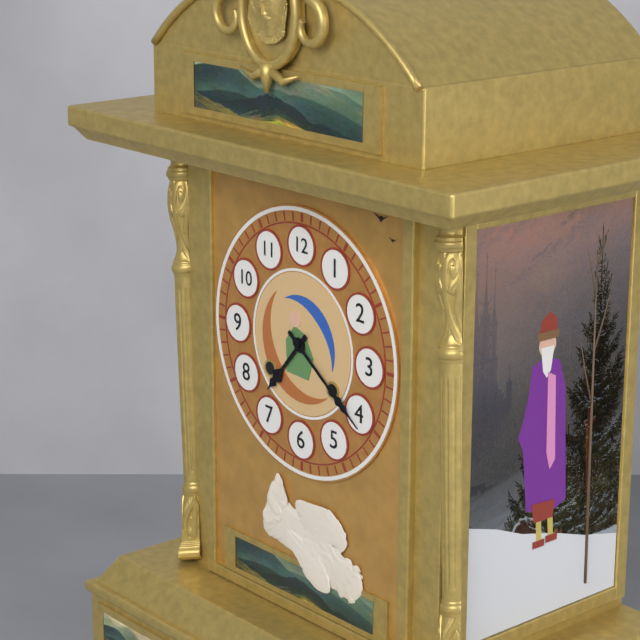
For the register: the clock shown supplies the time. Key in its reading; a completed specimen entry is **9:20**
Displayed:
**7:21**
